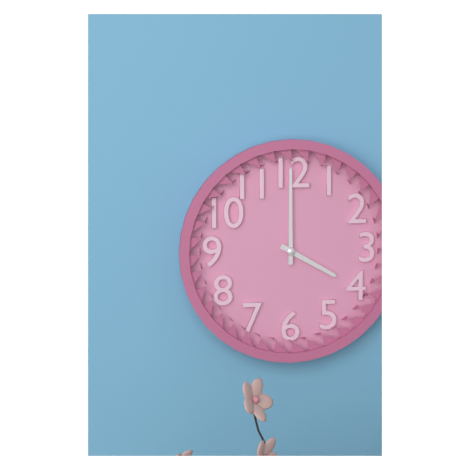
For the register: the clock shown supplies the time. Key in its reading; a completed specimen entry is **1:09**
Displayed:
**4:00**
